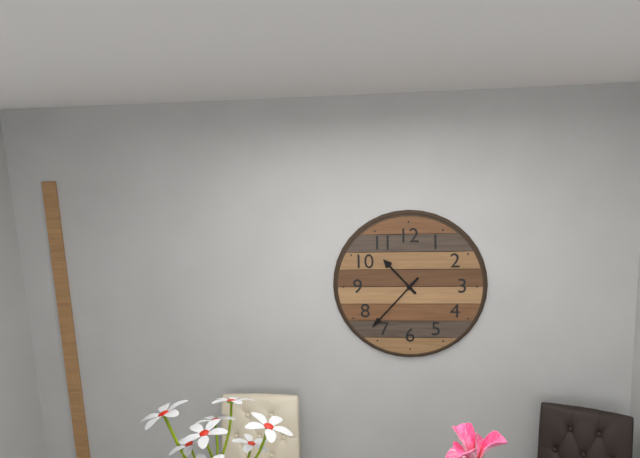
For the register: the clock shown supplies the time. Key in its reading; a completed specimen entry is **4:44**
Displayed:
**10:37**
